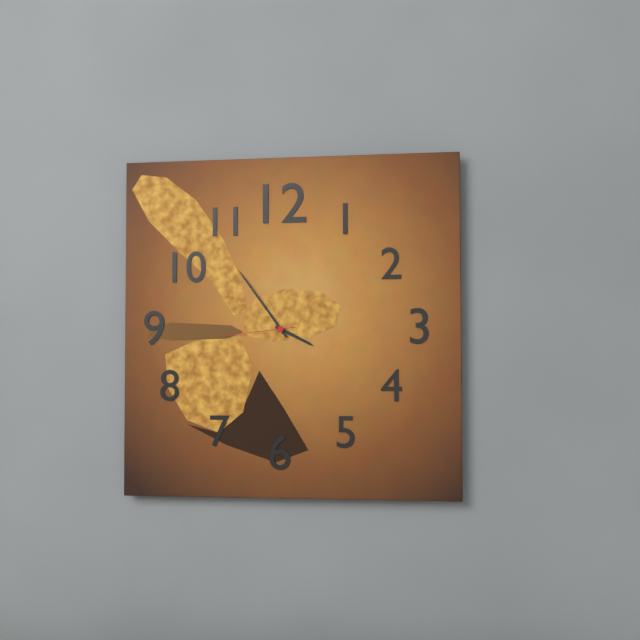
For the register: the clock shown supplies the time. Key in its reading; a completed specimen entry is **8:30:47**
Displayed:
**3:54:44**
